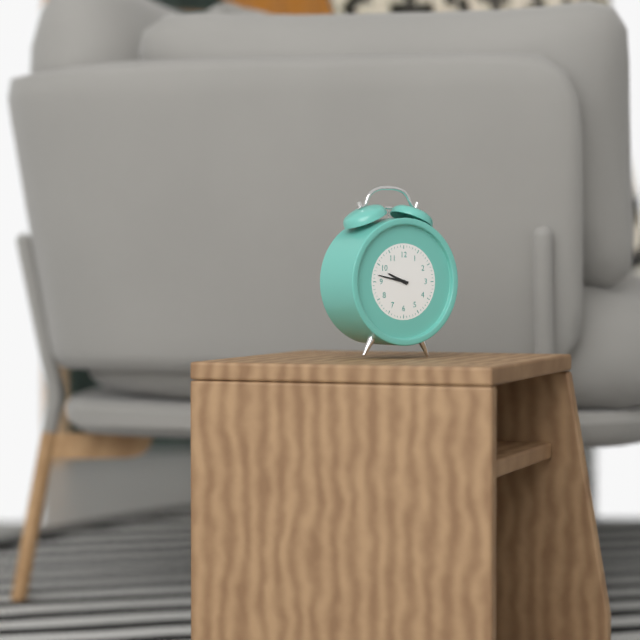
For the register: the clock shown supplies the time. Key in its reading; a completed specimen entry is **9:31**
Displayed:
**9:47**
